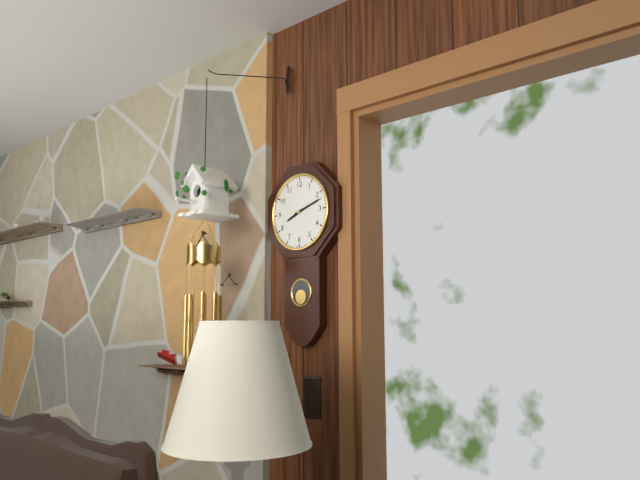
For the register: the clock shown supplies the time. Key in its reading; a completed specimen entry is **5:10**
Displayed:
**8:12**
